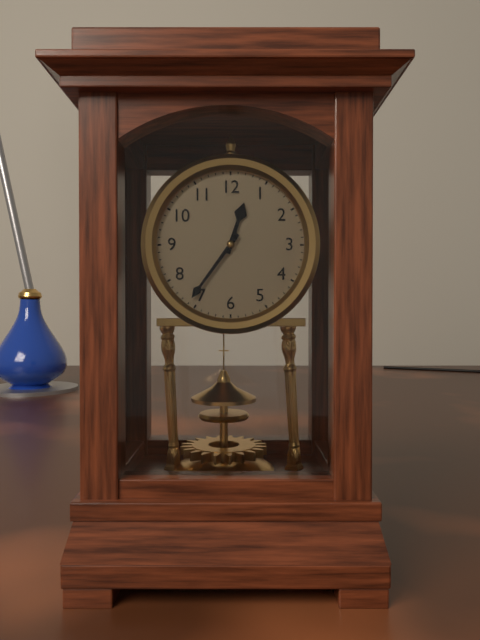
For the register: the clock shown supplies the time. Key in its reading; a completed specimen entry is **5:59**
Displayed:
**12:36**
